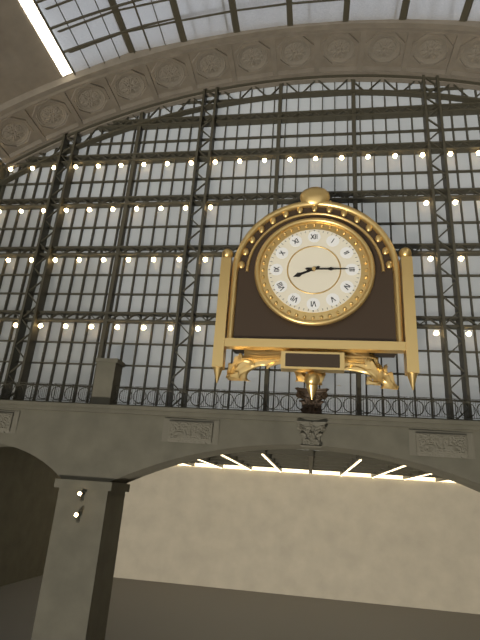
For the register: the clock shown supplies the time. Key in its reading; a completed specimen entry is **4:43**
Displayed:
**8:15**
